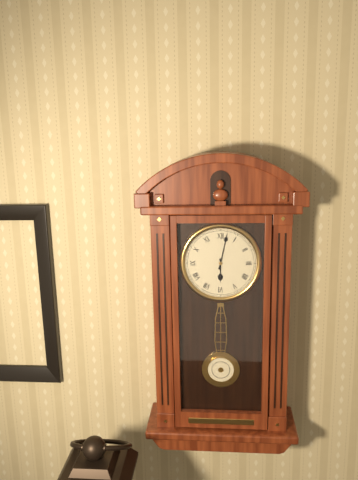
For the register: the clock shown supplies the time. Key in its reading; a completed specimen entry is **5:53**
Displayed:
**6:02**
